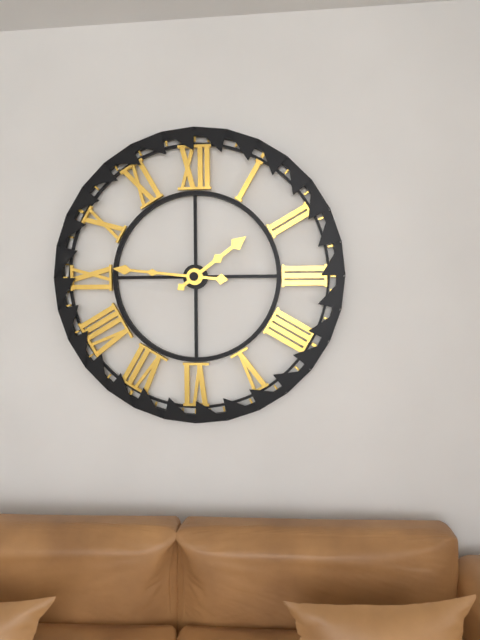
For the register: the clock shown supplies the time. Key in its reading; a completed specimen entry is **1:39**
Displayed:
**1:46**
